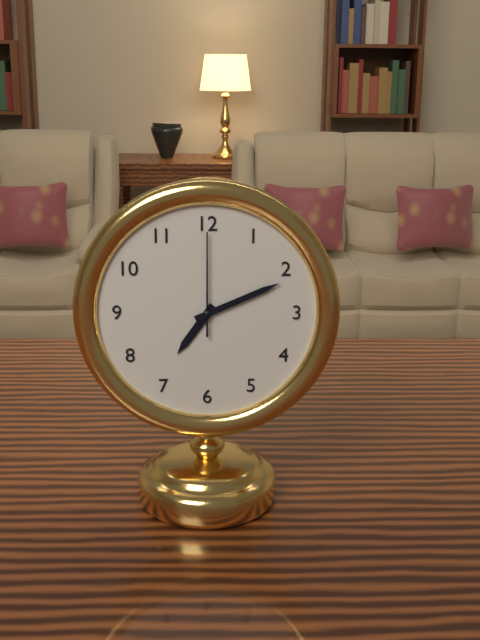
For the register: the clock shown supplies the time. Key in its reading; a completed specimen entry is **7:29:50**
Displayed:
**7:11:00**
